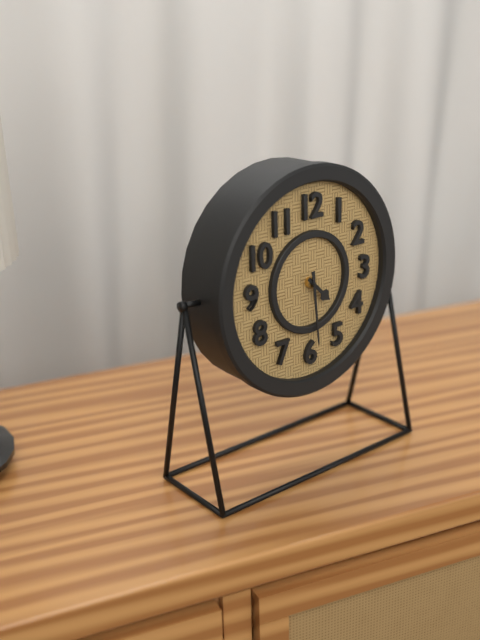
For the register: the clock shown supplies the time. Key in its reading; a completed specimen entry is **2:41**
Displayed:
**4:29**
